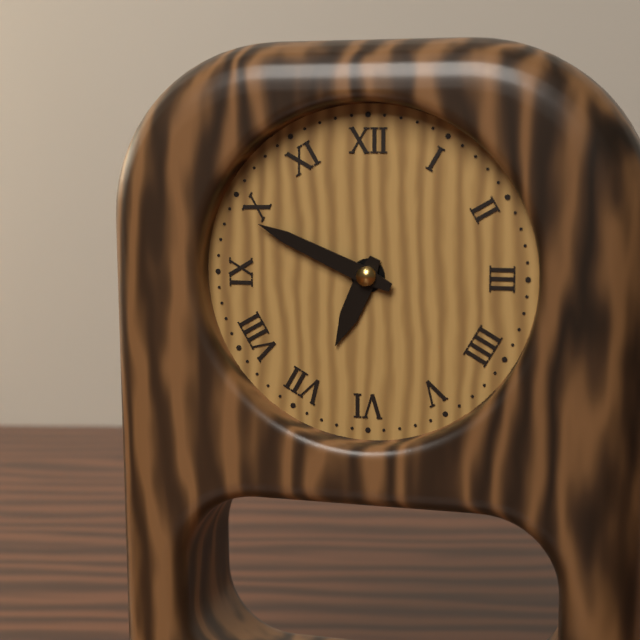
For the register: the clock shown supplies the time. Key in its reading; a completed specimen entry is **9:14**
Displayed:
**6:49**
